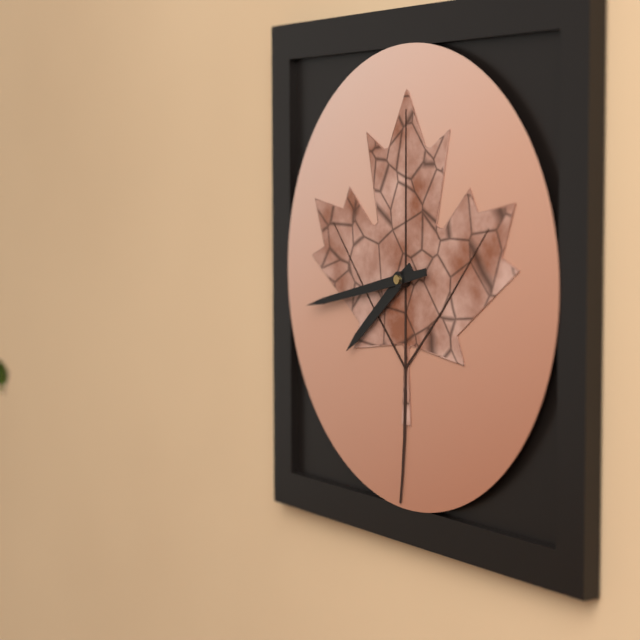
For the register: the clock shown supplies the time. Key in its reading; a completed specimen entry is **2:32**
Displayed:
**7:43**
